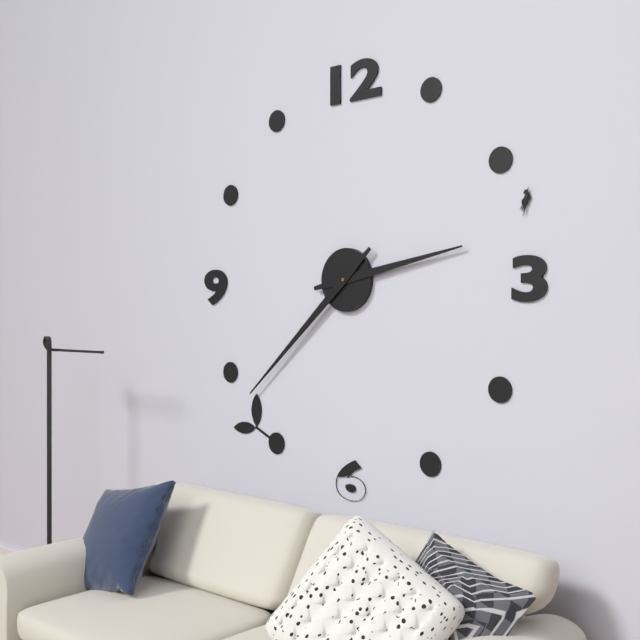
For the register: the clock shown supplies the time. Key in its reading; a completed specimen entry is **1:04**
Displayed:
**2:38**
